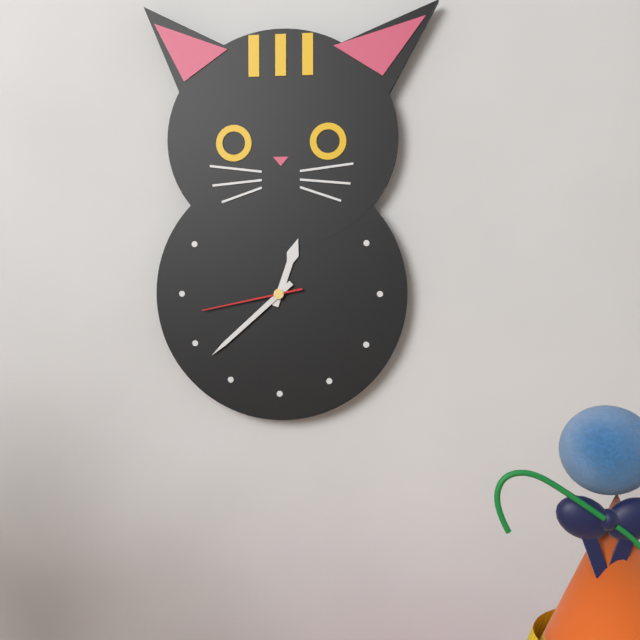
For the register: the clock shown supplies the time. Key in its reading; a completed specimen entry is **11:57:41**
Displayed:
**12:38:43**
